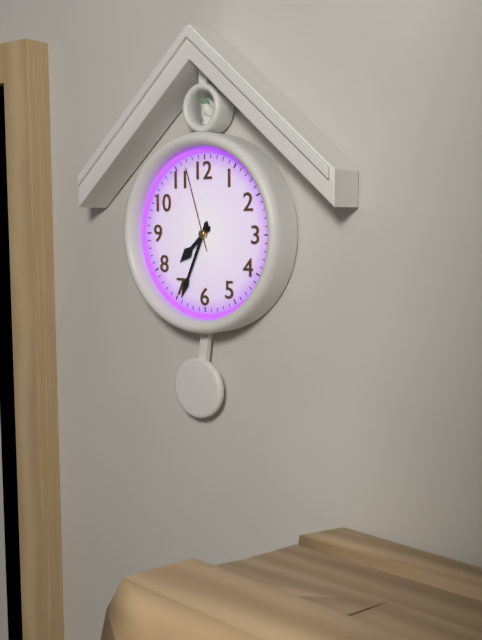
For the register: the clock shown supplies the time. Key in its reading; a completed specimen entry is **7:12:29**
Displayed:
**7:34:57**
